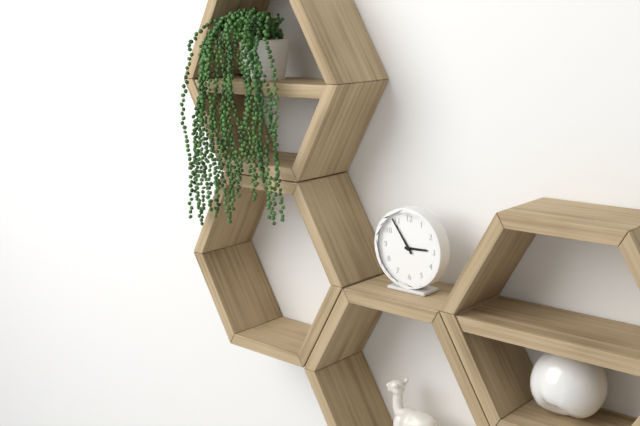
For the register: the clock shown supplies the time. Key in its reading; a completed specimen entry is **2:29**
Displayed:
**2:54**
